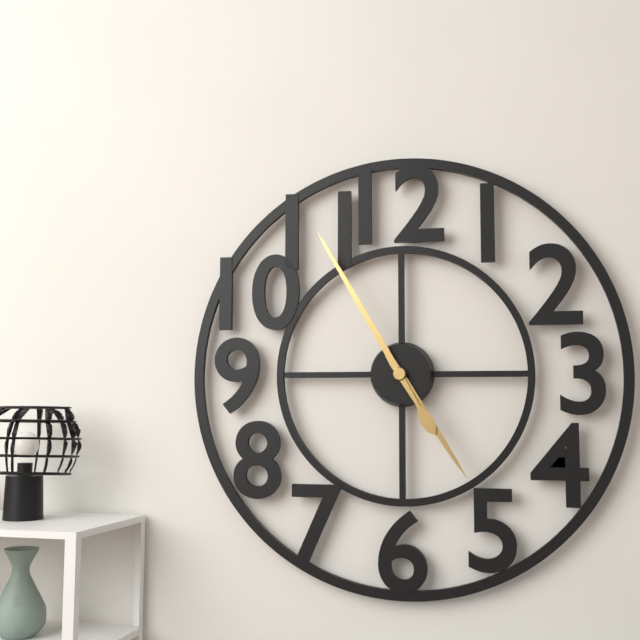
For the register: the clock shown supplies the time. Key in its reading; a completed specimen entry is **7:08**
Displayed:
**4:55**
